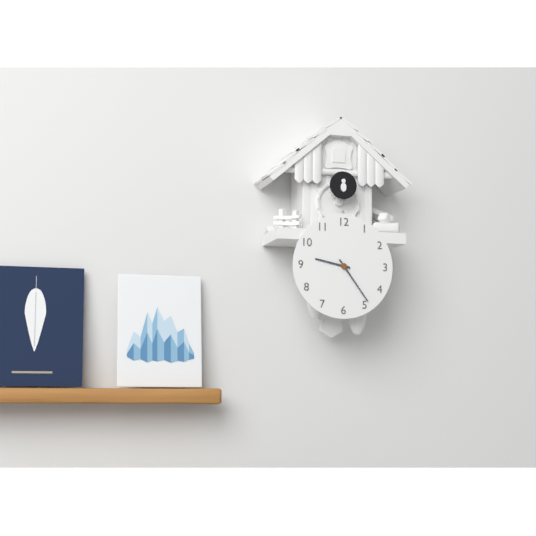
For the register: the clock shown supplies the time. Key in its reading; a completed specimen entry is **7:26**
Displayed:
**9:24**
